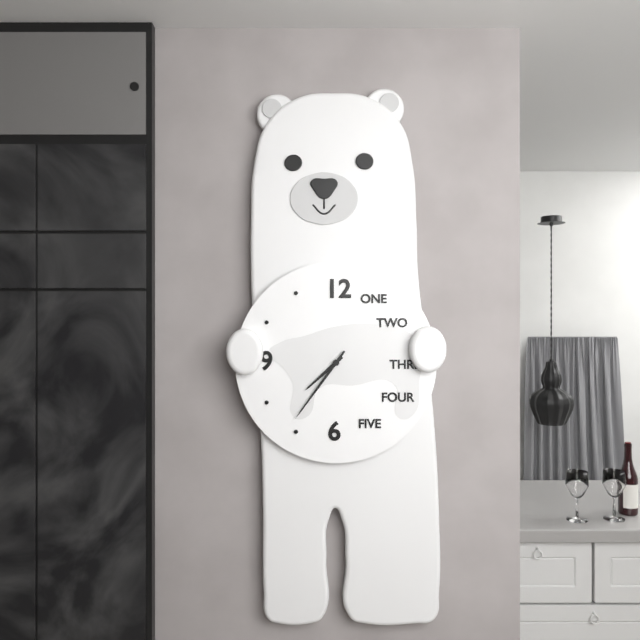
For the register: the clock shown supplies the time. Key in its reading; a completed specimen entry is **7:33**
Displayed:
**7:36**
